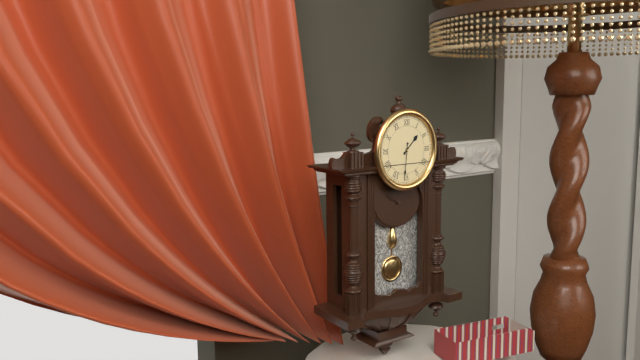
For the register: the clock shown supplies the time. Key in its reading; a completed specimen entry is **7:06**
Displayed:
**1:31**
